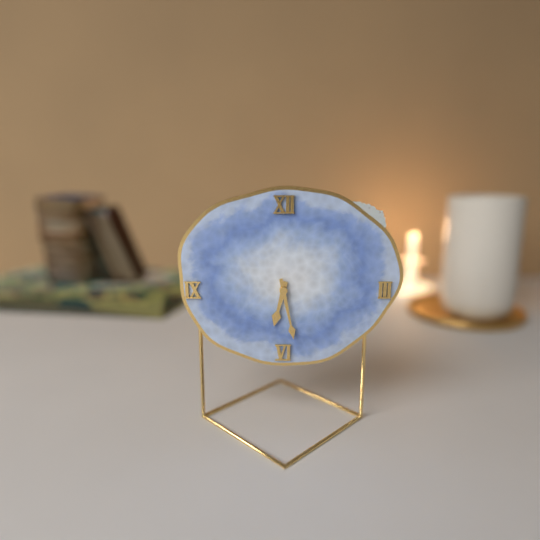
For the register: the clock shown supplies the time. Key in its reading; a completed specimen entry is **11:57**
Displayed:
**6:28**
